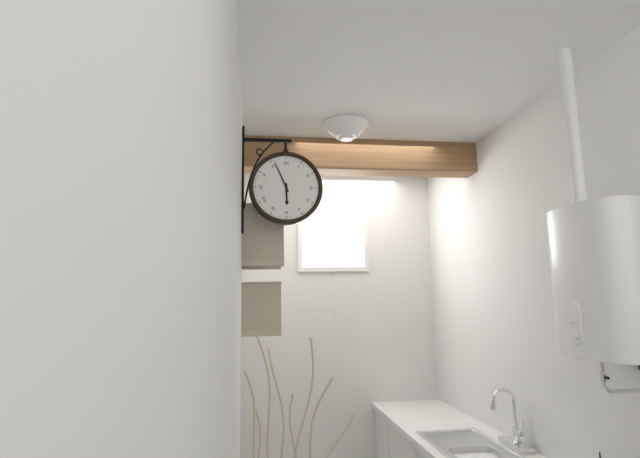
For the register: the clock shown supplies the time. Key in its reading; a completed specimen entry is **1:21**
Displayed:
**5:56**
